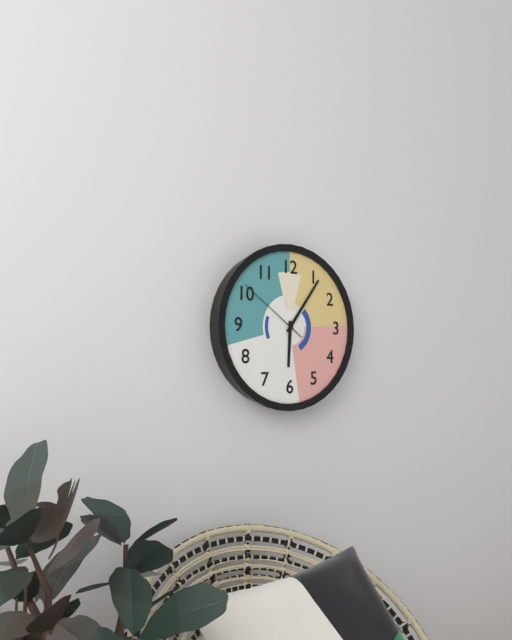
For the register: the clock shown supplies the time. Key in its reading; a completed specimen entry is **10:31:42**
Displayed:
**6:06:51**
